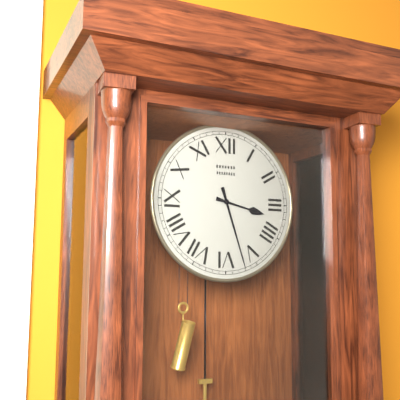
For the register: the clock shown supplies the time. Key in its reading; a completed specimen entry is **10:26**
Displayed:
**3:27**
